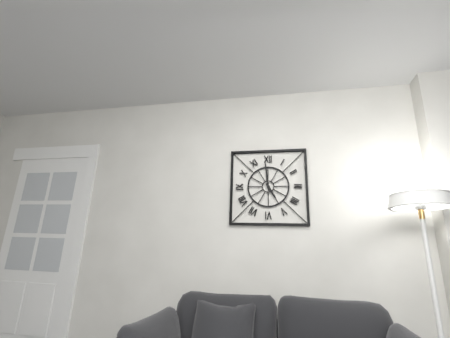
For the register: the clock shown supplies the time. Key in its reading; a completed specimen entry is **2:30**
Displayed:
**4:59**
